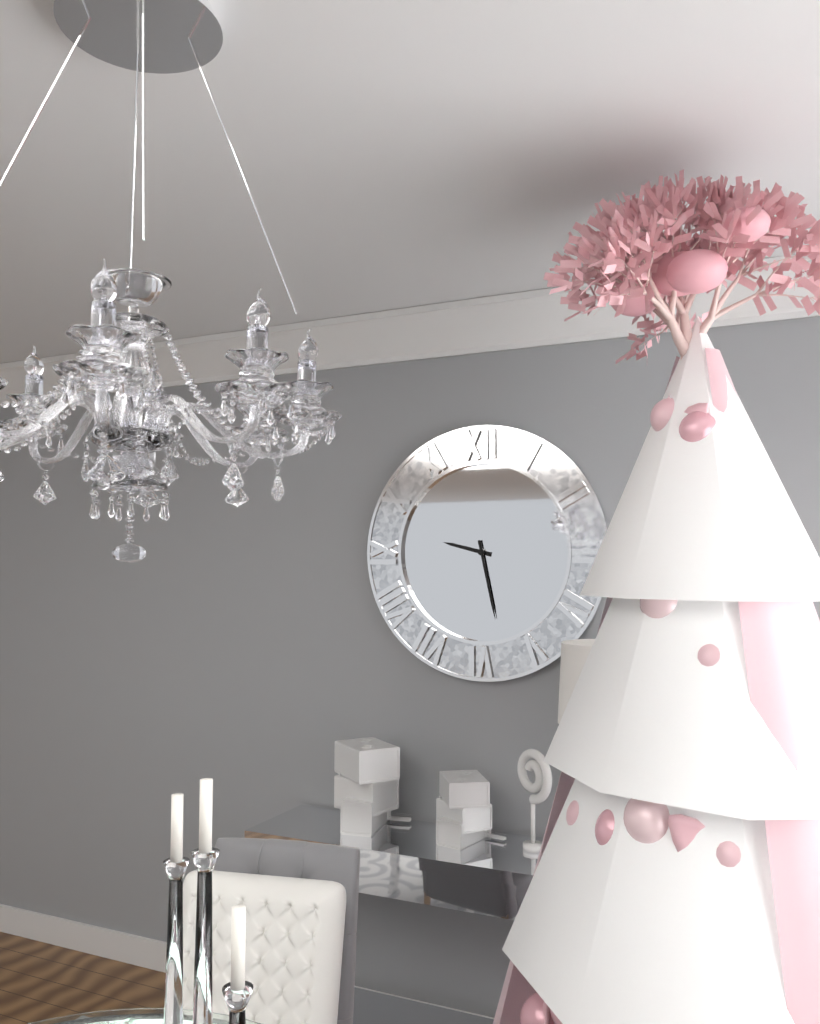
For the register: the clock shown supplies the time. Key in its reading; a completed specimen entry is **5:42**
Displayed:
**9:28**
